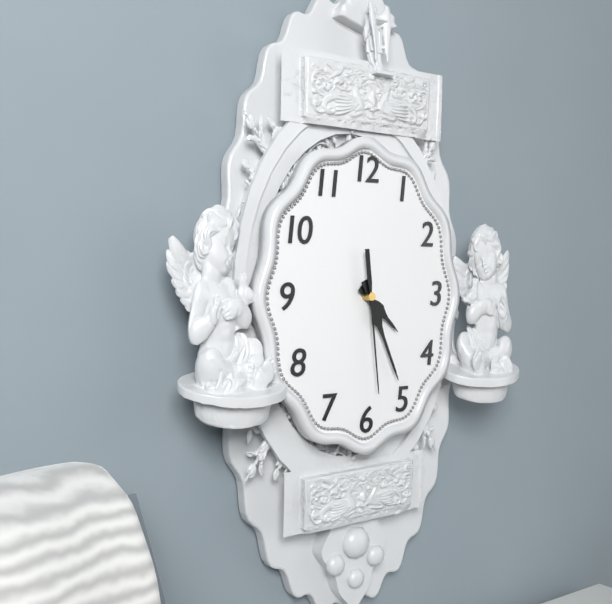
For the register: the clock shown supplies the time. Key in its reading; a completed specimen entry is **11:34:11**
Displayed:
**4:26:29**
